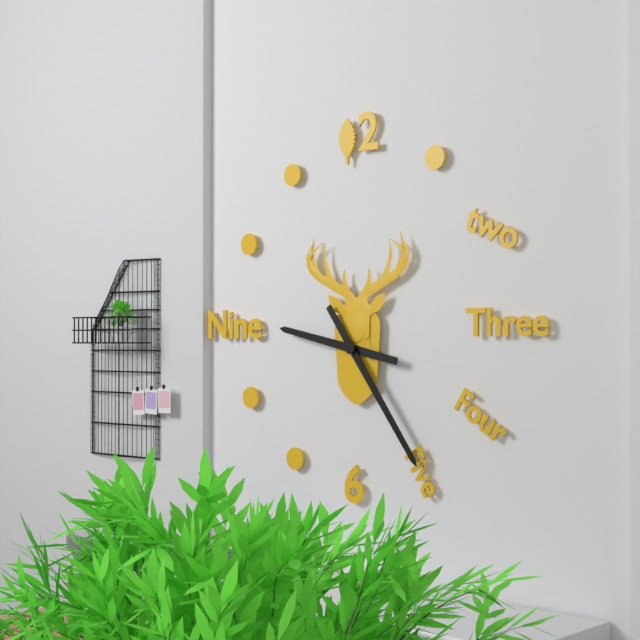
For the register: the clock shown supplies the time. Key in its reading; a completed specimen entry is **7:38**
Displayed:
**9:24**
